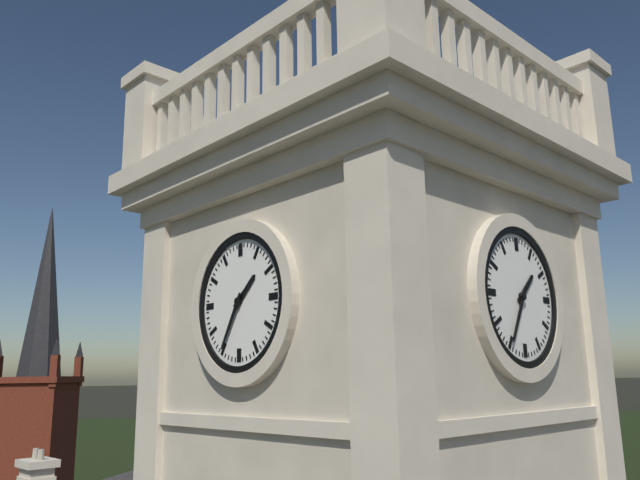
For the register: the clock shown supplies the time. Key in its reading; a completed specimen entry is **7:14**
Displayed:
**1:35**
